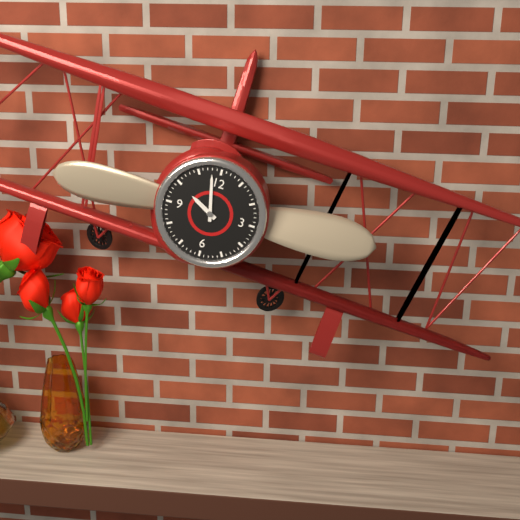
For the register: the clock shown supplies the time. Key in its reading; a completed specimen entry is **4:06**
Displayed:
**9:58**
